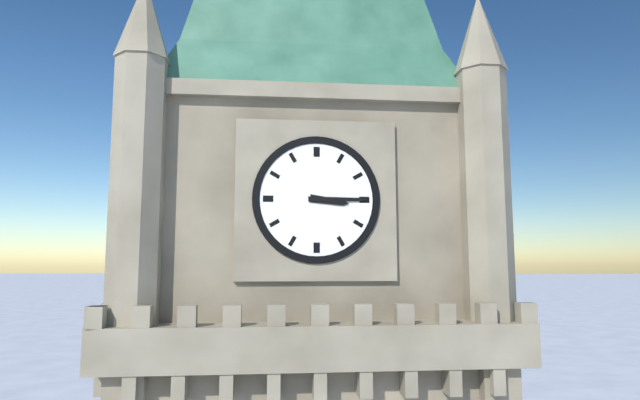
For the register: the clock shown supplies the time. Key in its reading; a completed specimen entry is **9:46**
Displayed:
**3:15**
